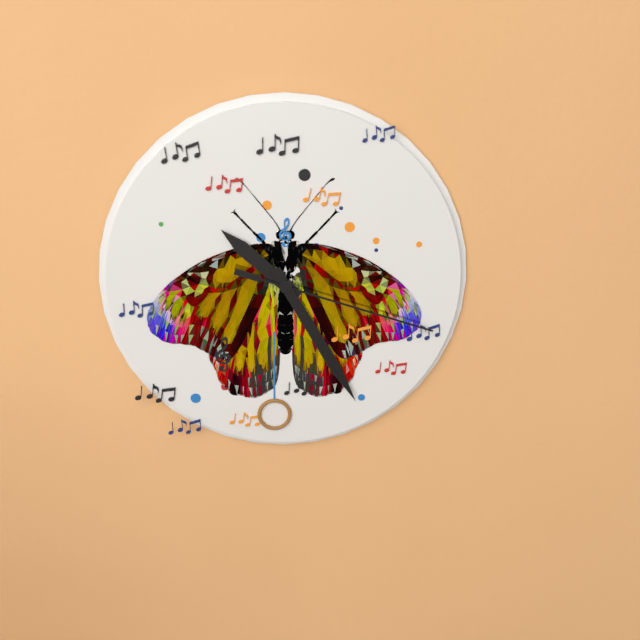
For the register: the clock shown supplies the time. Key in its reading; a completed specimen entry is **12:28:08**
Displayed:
**10:25:18**
